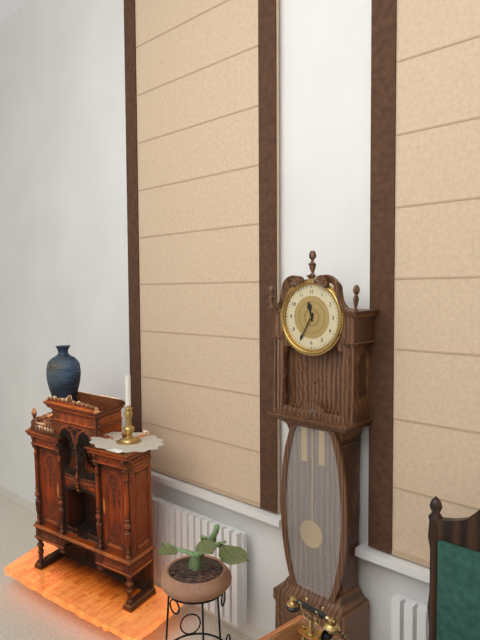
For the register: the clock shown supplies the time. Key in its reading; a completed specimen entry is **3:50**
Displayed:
**11:35**
